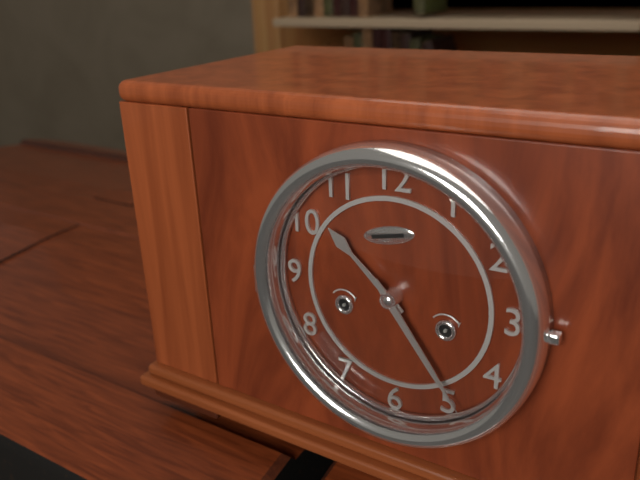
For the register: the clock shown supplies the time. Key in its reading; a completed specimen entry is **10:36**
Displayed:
**10:24**
